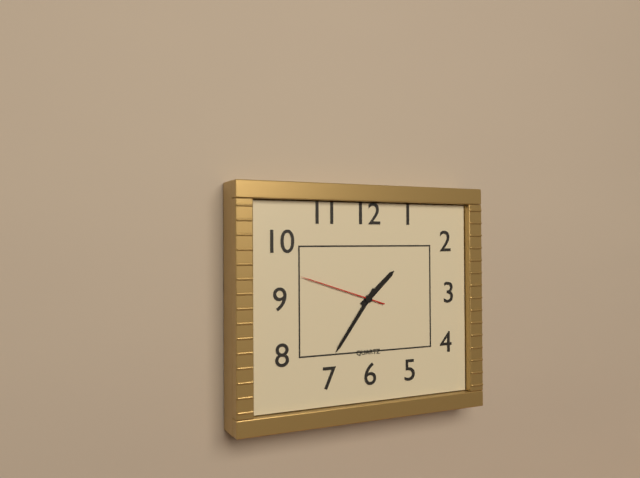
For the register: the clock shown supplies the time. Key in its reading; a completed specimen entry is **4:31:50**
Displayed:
**1:36:48**
